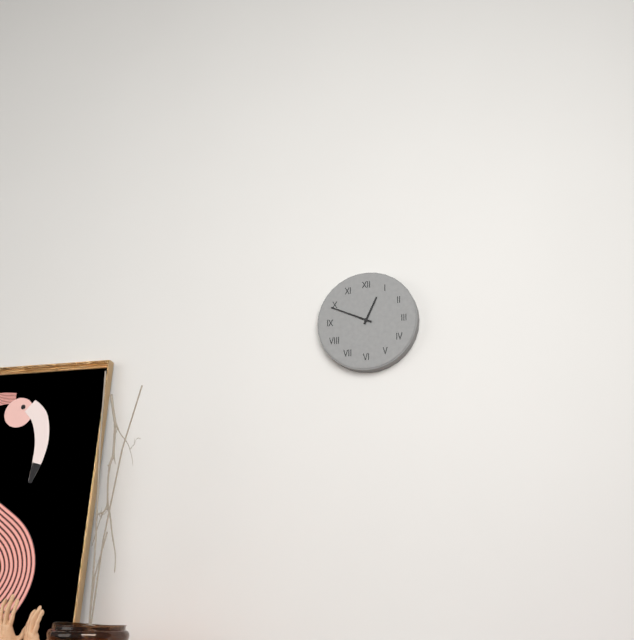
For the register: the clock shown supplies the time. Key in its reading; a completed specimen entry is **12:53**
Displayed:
**12:49**
